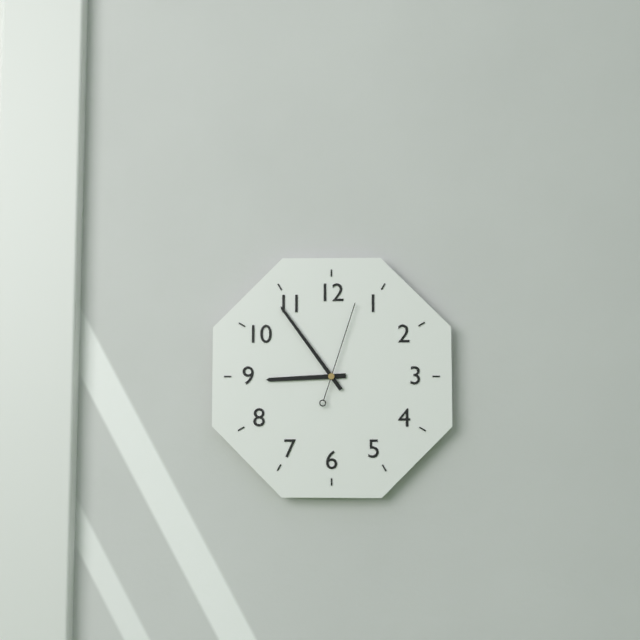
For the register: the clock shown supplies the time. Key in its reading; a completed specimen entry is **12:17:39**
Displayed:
**8:54:03**
